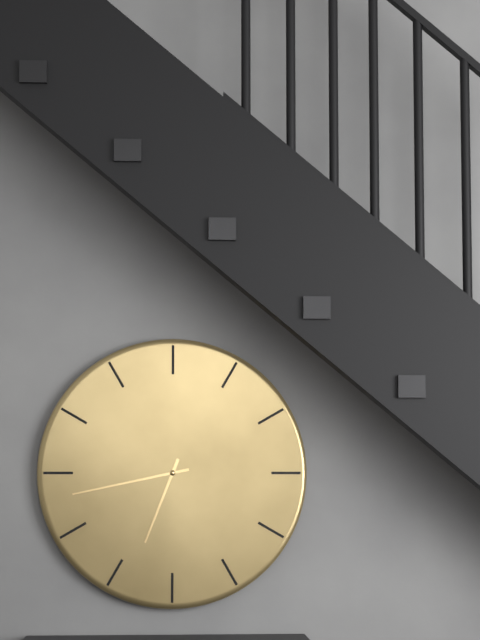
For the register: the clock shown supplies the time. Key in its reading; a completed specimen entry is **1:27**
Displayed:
**6:43**
